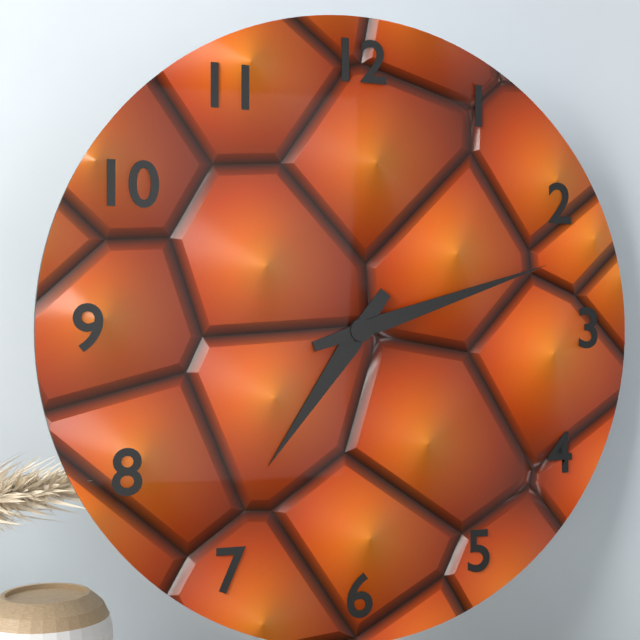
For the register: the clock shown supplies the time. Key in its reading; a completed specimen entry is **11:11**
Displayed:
**7:12**
